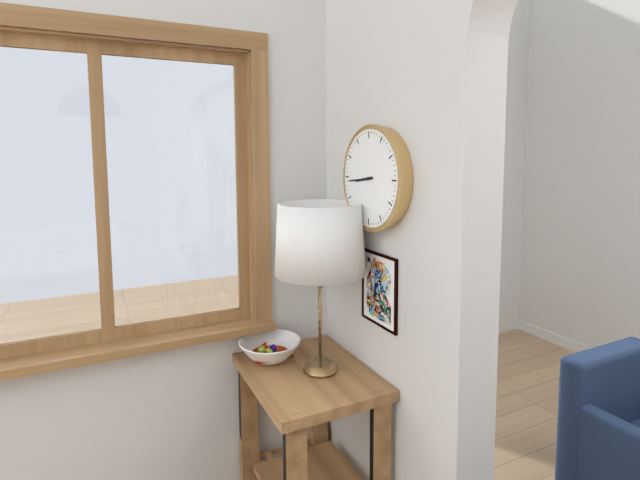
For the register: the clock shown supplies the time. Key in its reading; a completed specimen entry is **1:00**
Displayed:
**8:44**
